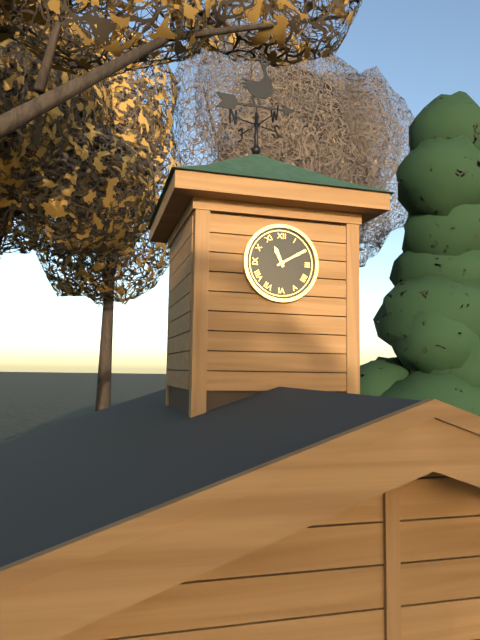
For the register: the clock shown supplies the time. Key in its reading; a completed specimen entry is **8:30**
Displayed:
**11:10**
